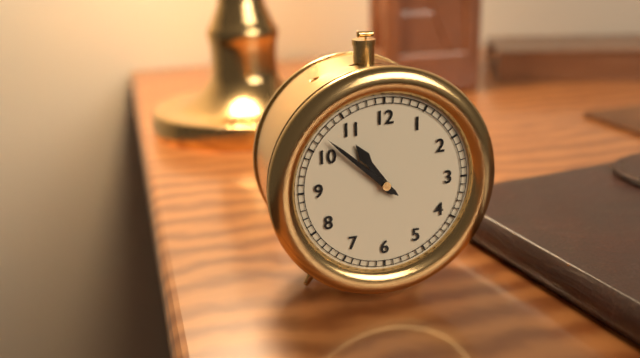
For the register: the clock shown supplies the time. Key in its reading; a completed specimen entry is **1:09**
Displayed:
**10:52**
